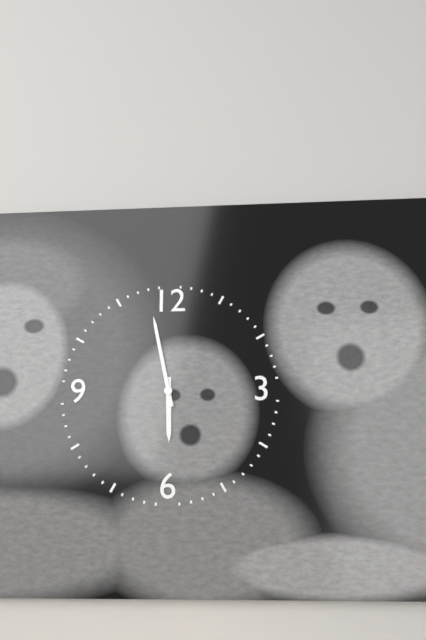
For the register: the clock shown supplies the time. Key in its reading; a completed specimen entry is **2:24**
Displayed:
**5:58**
